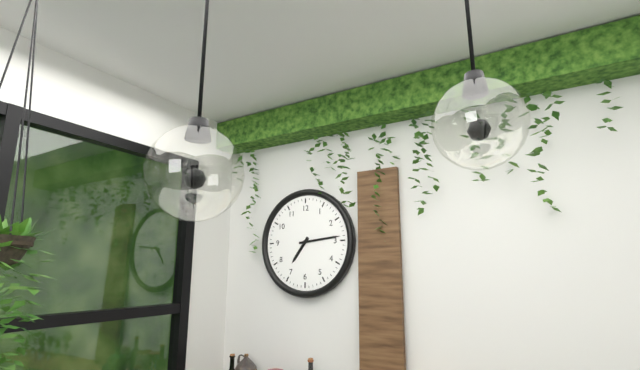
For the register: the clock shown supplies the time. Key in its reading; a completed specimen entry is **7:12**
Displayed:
**7:14**
